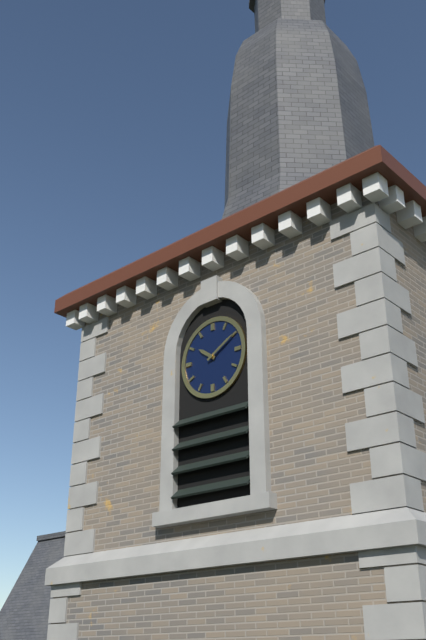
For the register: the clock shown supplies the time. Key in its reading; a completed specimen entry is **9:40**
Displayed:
**10:10**
